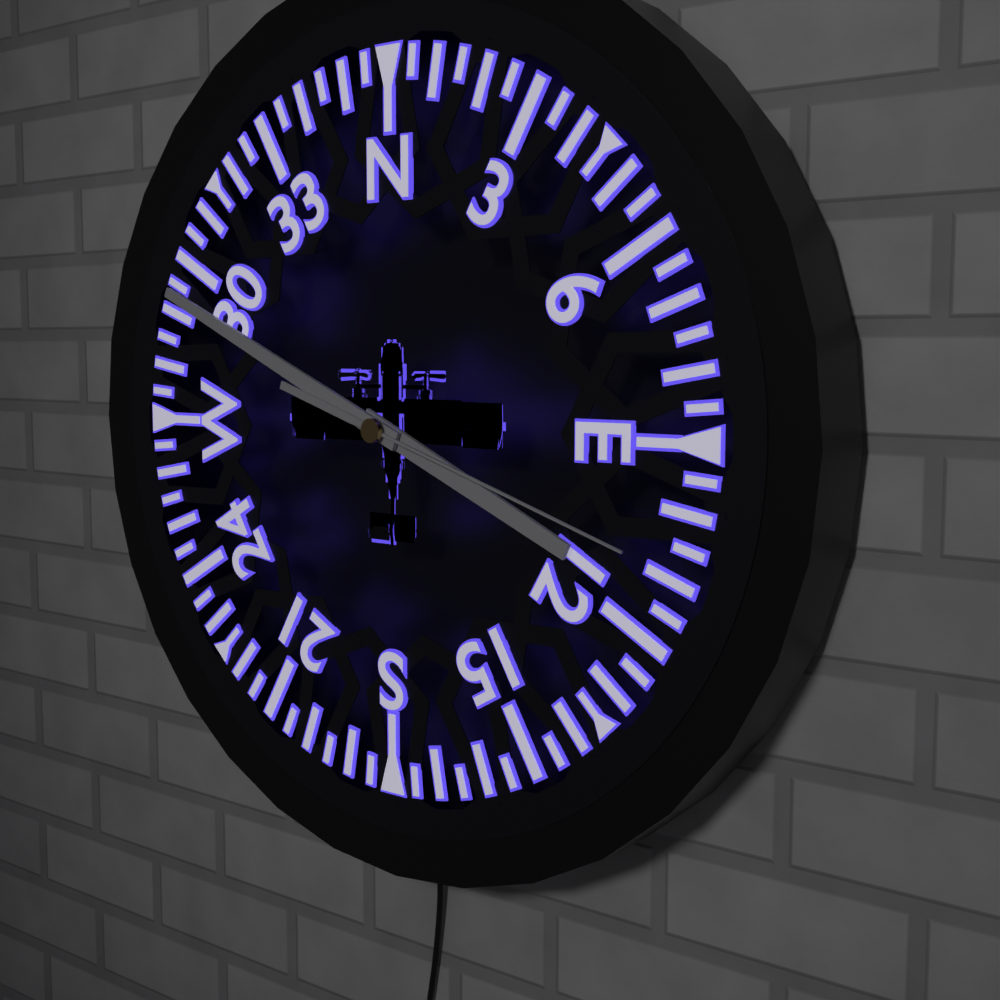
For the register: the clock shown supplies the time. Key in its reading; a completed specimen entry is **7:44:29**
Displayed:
**3:49:18**
